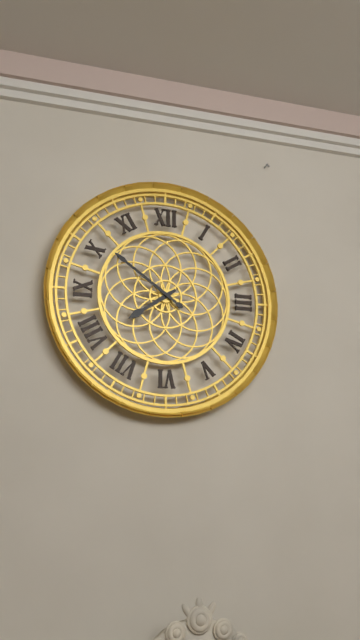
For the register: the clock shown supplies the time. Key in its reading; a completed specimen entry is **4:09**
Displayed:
**7:51**
